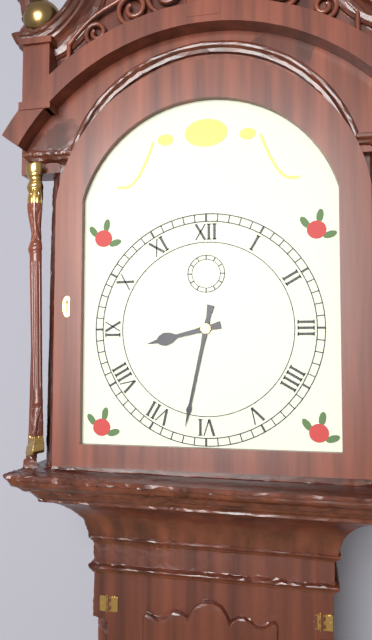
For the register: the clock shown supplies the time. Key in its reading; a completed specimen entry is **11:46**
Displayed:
**8:32**
